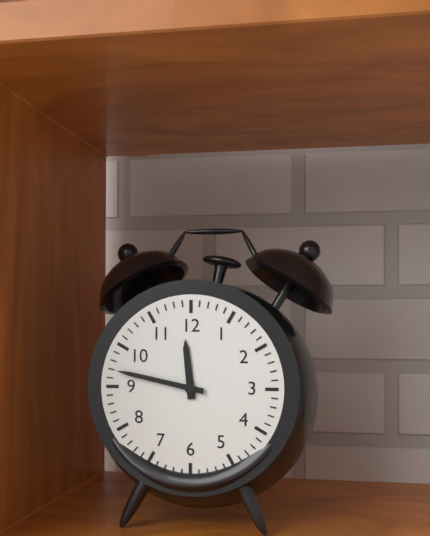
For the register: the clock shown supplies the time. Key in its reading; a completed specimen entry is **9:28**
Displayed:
**11:47**
